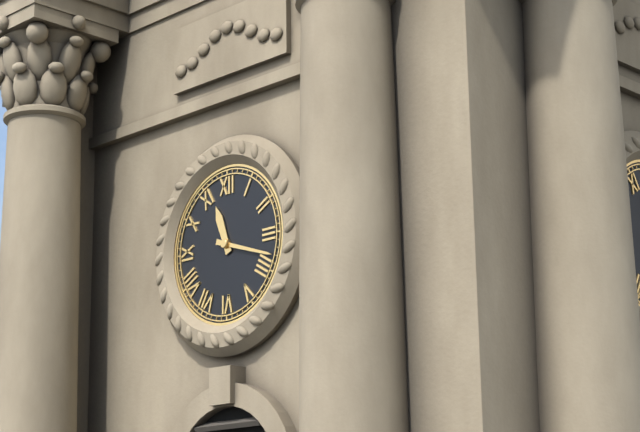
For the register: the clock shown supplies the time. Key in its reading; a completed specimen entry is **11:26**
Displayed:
**11:18**
